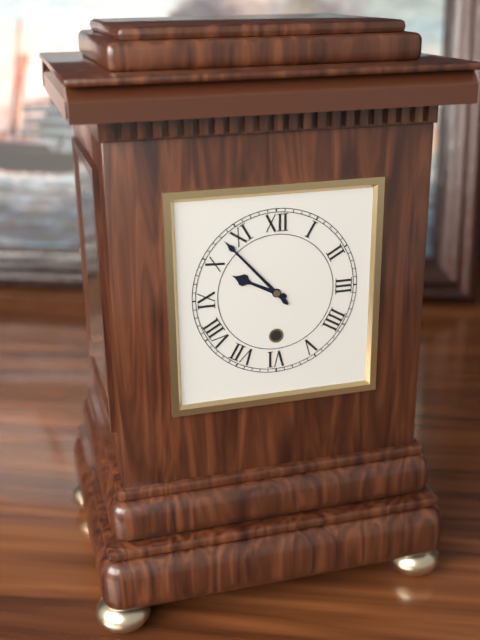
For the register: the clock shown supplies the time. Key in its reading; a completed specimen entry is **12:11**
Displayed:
**9:53**
